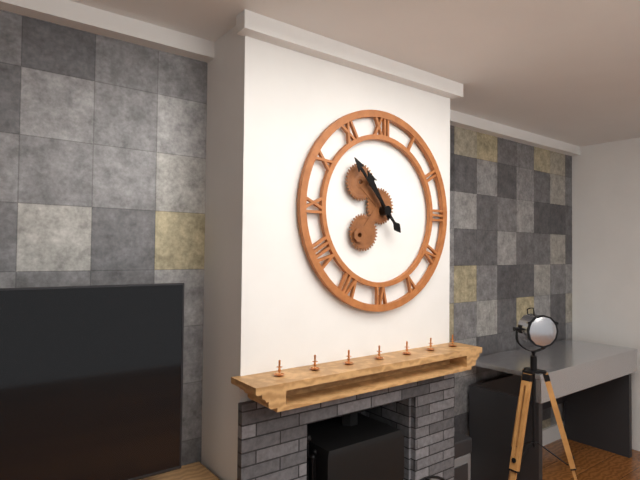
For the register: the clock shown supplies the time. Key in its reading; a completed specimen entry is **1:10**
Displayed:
**10:53**
